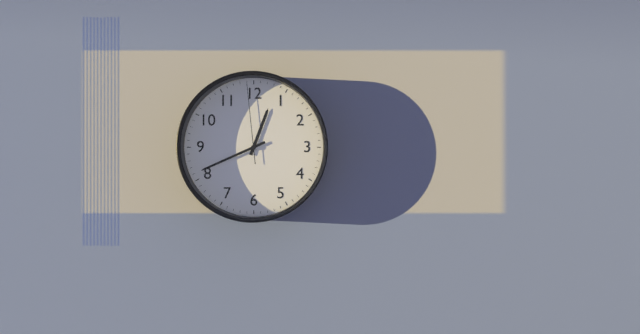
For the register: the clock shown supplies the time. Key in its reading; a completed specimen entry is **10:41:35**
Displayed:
**12:41:59**
